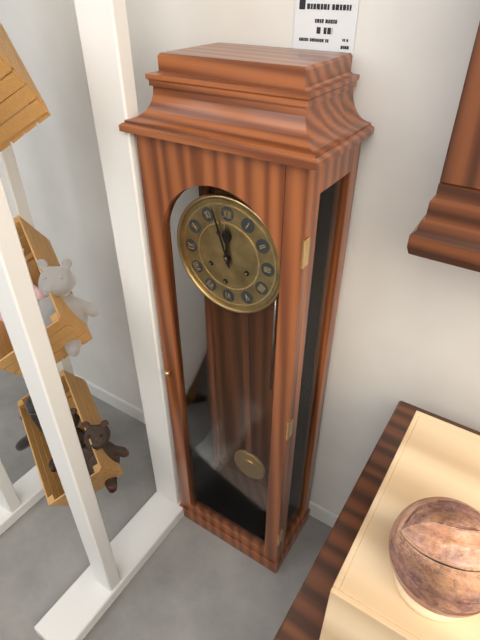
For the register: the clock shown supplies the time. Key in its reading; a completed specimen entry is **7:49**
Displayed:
**11:57**
